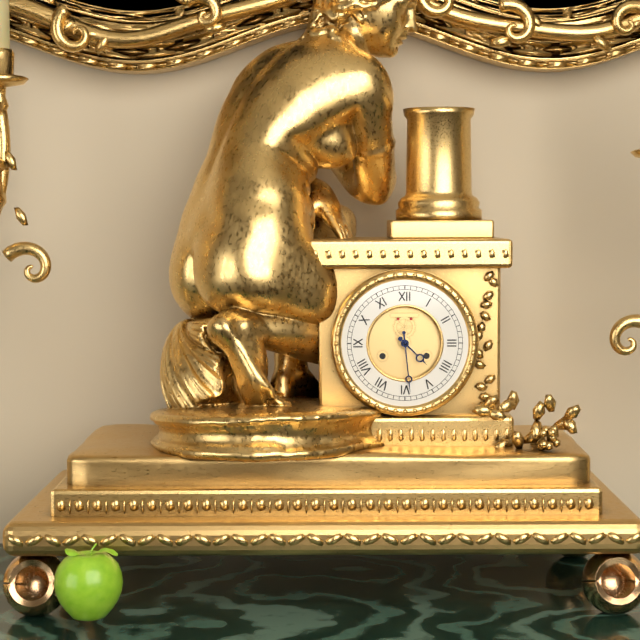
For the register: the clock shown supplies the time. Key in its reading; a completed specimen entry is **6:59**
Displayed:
**4:29**
